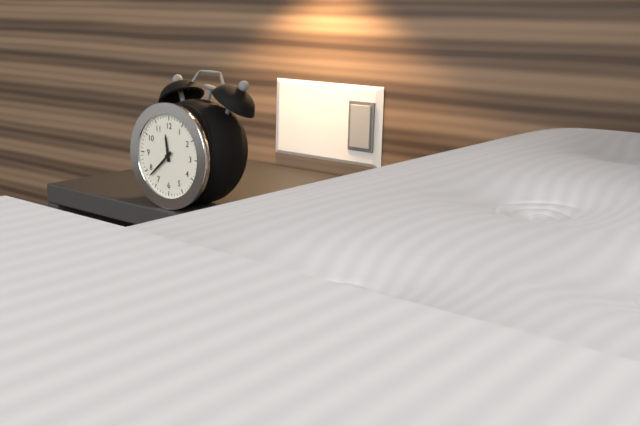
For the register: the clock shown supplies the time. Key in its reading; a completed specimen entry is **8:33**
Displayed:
**11:38**
